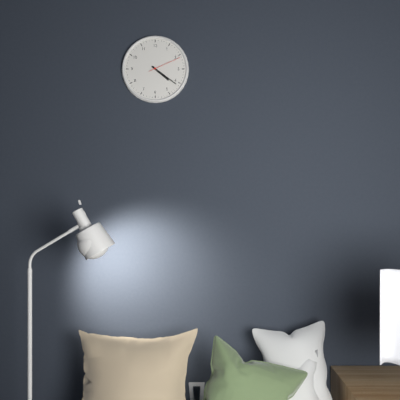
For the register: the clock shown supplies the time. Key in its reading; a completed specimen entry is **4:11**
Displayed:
**4:21**
